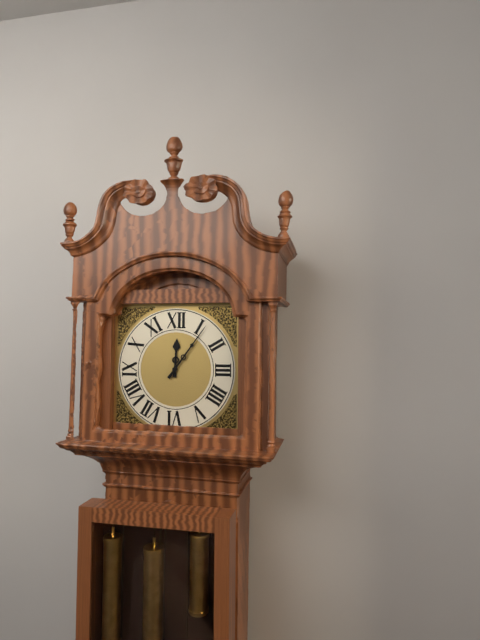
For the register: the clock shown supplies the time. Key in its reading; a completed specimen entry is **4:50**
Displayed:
**12:06**
